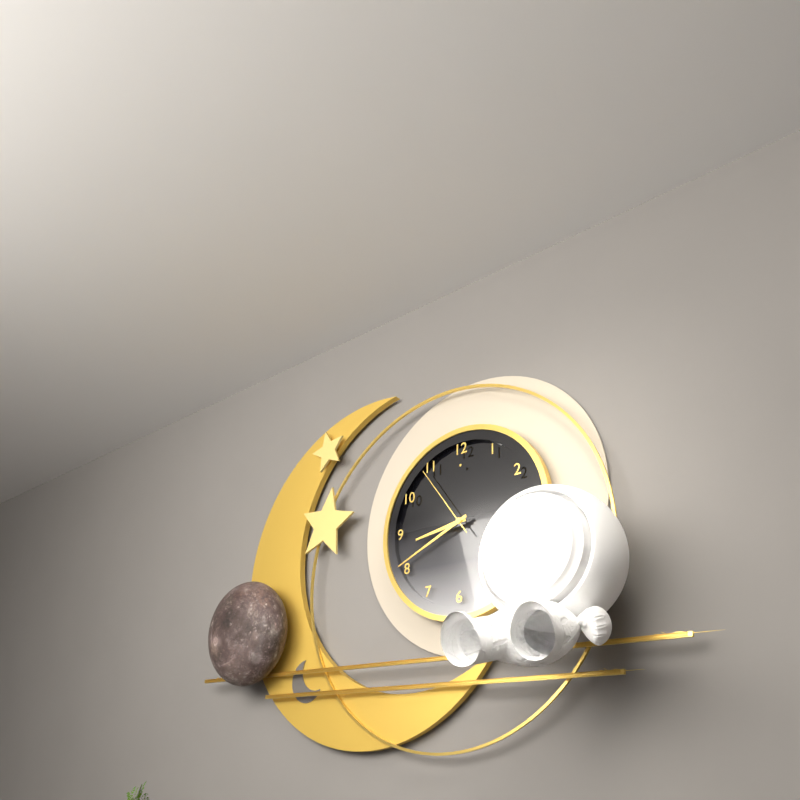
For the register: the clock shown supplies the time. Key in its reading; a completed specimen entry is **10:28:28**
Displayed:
**8:41:54**
